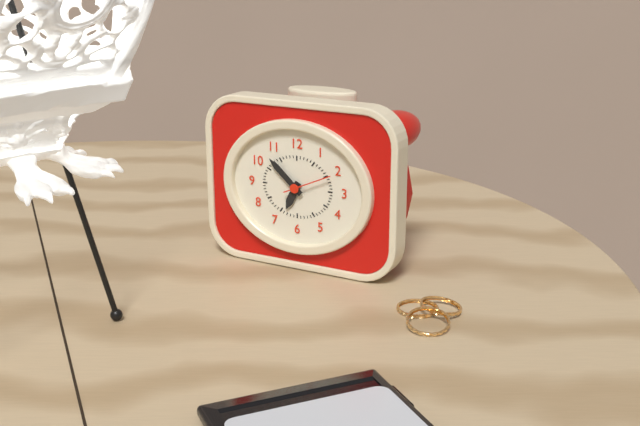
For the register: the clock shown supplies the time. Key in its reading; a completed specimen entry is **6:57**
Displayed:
**6:52**
